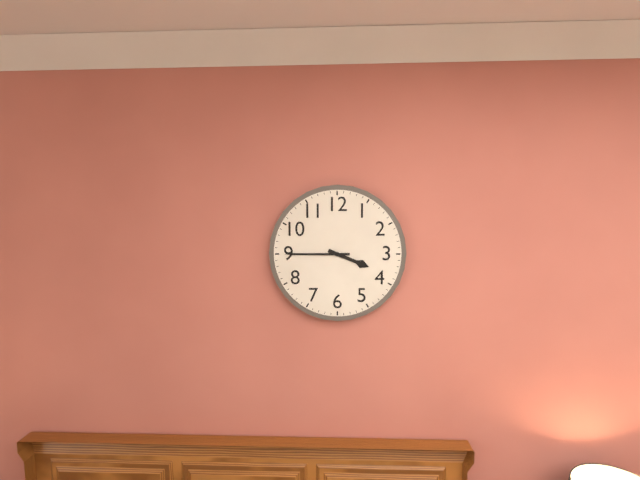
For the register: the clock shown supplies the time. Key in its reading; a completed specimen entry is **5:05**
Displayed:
**3:45**
